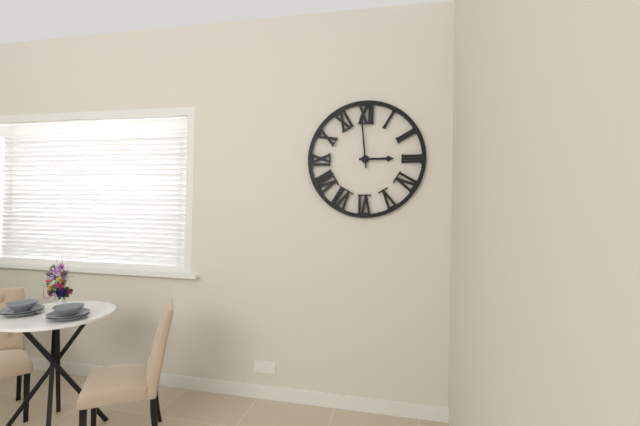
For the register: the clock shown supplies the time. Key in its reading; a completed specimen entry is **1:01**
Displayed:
**2:59**
